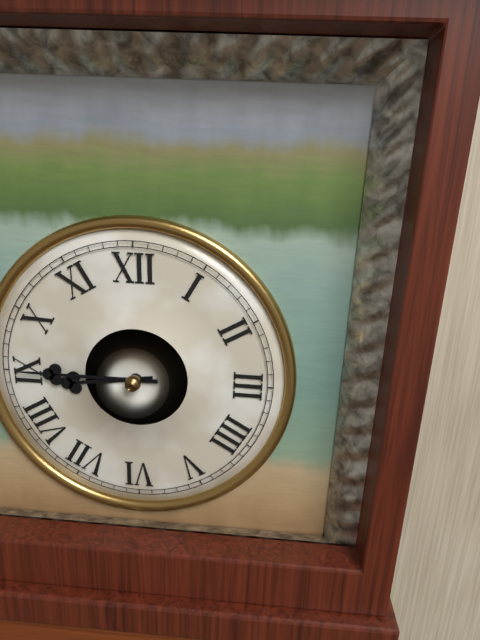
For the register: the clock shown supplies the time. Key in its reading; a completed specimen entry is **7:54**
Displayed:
**8:45**
